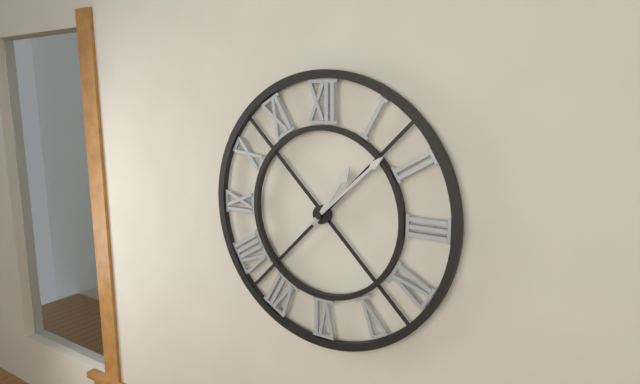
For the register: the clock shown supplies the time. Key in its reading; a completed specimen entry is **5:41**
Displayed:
**1:08**
